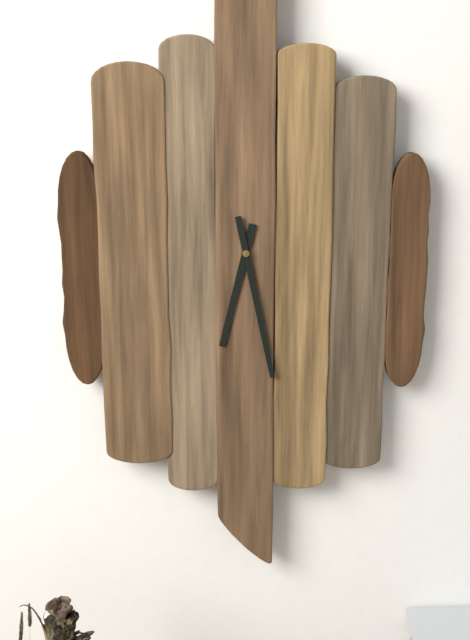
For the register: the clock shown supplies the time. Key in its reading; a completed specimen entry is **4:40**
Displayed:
**6:28**
